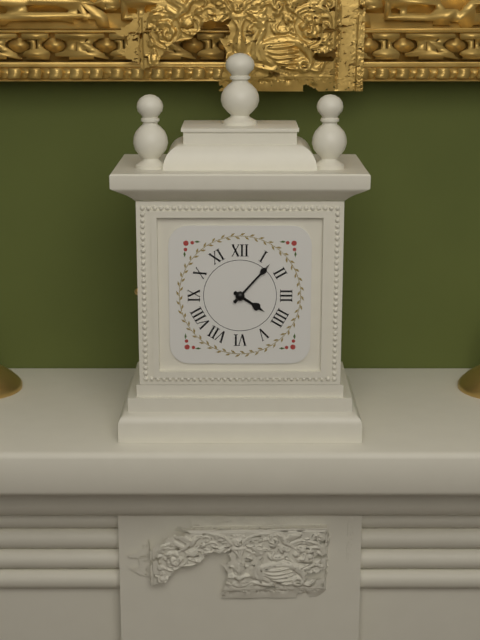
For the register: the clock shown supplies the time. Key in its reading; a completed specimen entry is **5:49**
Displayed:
**4:07**
